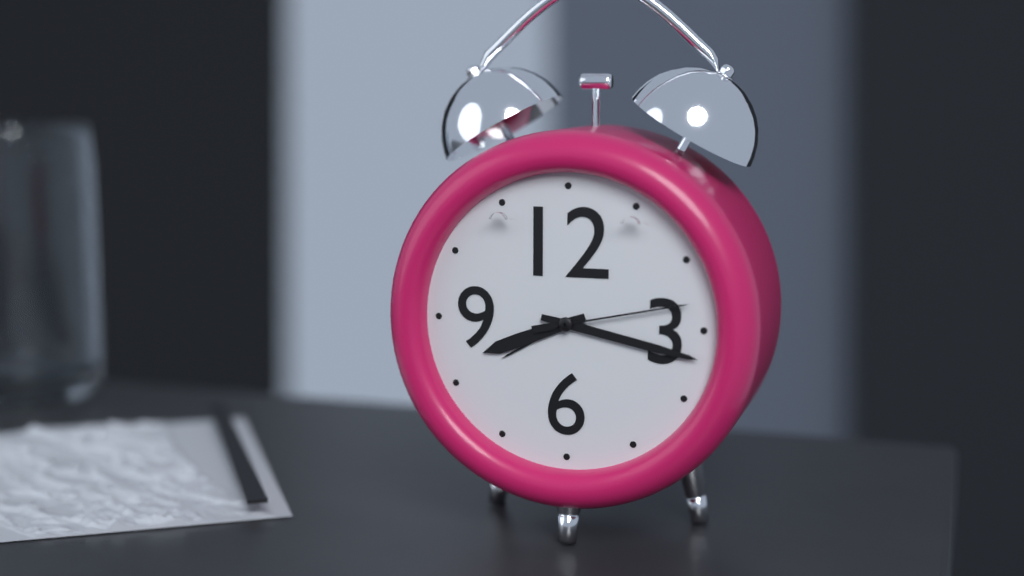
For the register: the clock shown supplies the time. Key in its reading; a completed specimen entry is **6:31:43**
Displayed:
**8:17:13**
